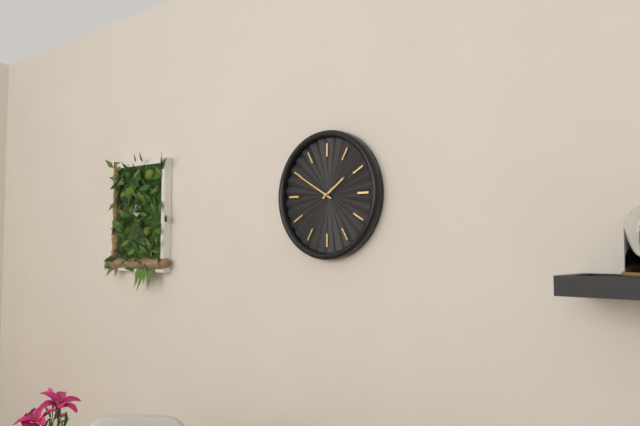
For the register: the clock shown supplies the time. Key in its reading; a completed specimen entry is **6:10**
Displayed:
**1:50**
